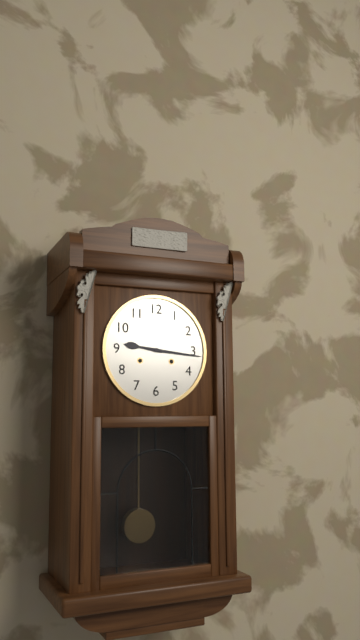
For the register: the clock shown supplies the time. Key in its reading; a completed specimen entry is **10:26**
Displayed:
**9:16**
